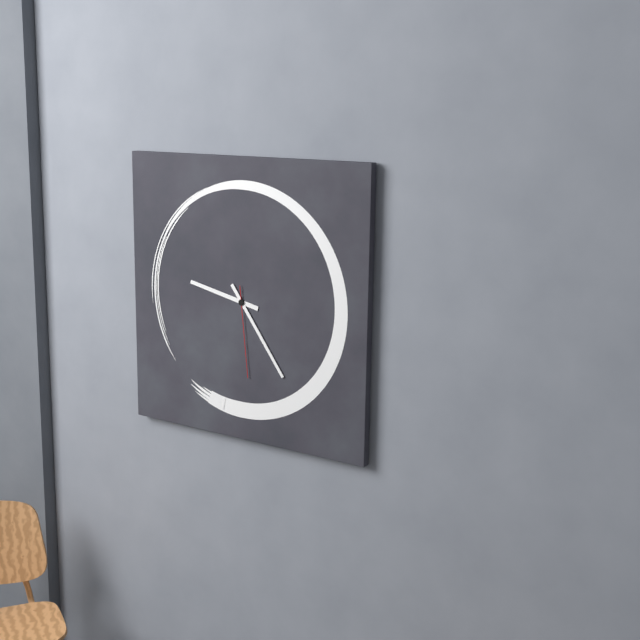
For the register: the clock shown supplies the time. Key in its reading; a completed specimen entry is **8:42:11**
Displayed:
**9:24:29**
